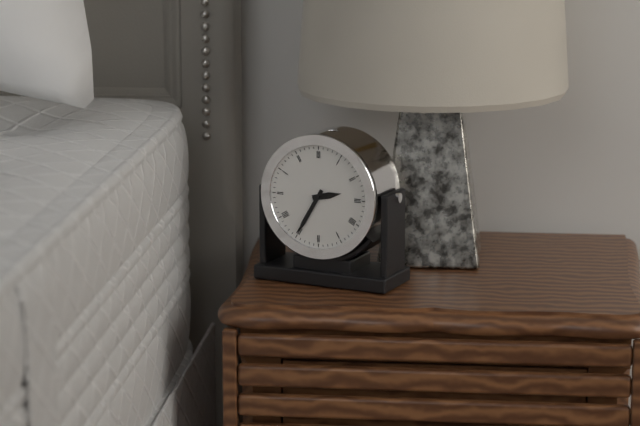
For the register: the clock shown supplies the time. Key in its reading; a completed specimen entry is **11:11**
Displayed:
**2:35**
